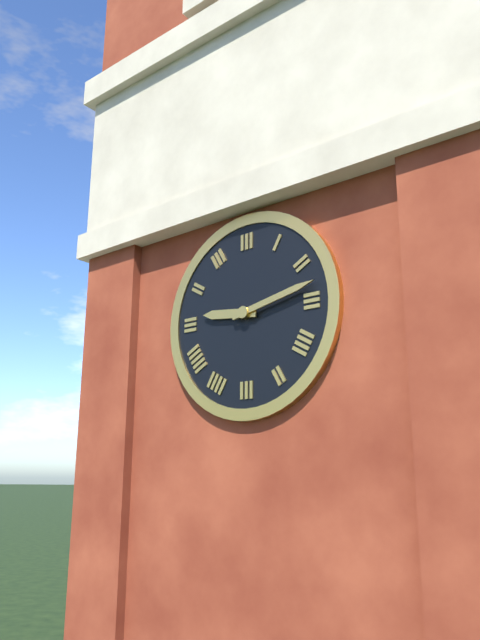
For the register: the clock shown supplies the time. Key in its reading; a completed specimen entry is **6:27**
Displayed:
**9:13**
